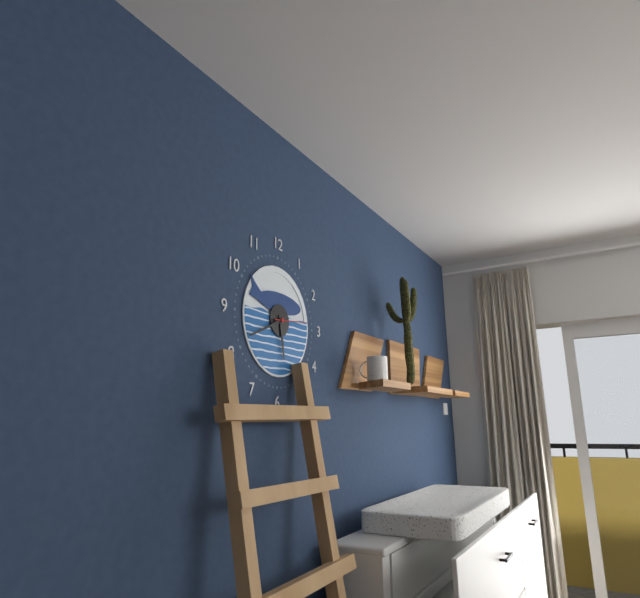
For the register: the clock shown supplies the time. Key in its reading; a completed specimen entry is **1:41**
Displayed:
**5:41**
